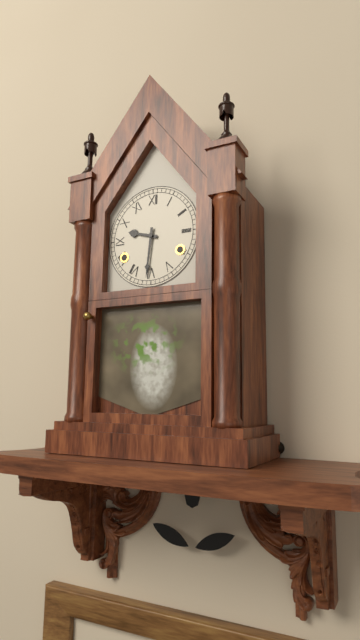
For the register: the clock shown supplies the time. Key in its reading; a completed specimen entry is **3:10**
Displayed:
**9:31**
